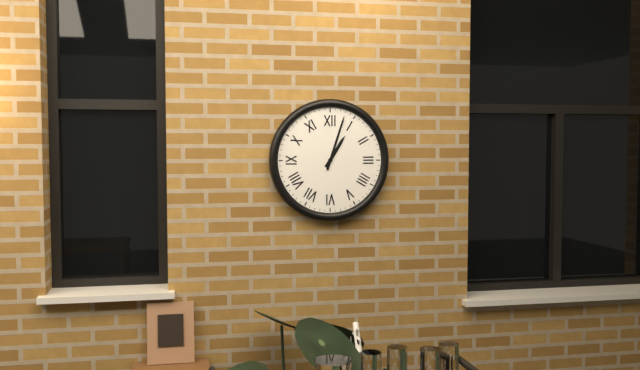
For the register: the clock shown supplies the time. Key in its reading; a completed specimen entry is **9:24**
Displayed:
**1:03**
